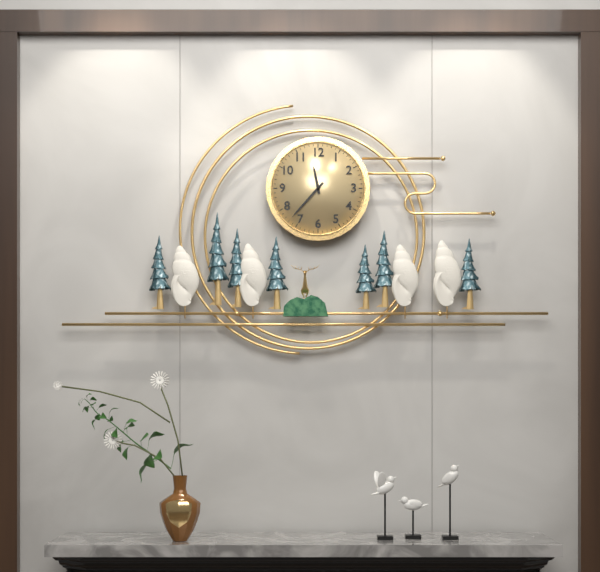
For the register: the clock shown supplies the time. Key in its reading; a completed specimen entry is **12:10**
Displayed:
**11:37**
